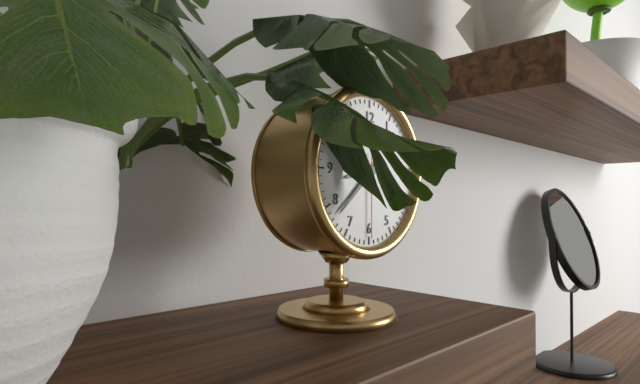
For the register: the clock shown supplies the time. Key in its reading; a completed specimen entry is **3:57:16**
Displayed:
**8:38:30**
